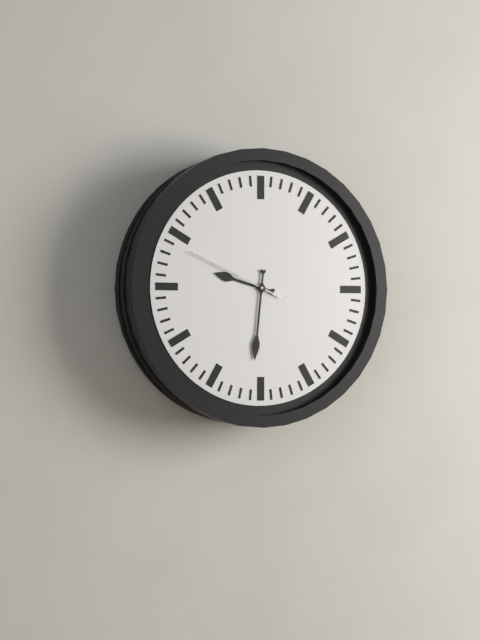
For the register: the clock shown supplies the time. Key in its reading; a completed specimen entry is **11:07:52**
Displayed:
**9:31:49**
